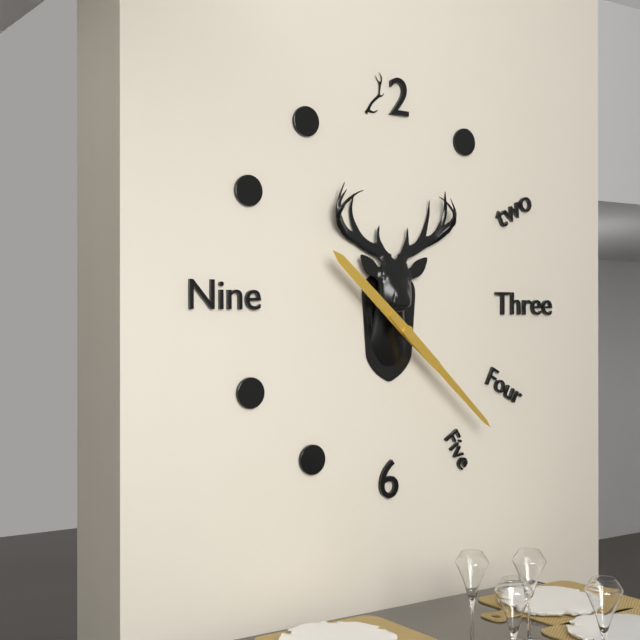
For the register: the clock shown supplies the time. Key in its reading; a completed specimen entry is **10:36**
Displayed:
**10:22**
